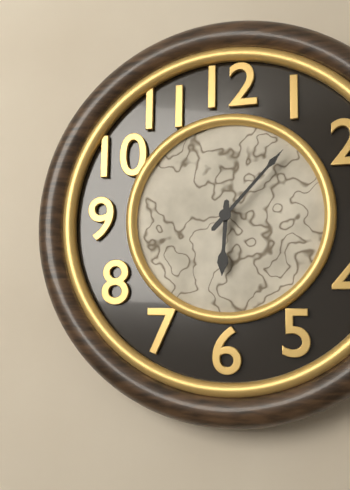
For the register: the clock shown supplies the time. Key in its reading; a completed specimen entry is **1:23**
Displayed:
**6:07**
